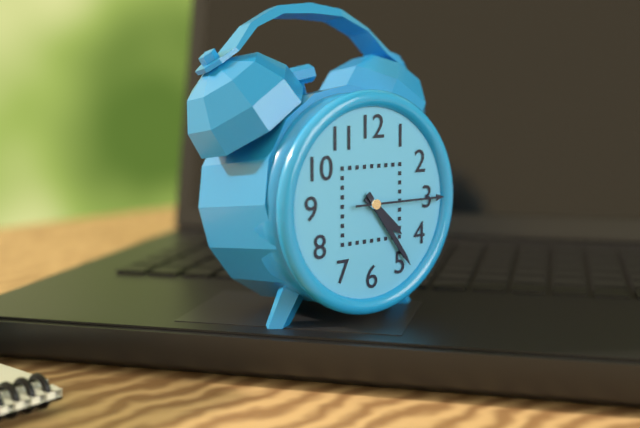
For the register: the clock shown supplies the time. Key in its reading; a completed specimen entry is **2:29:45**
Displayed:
**4:24:15**
